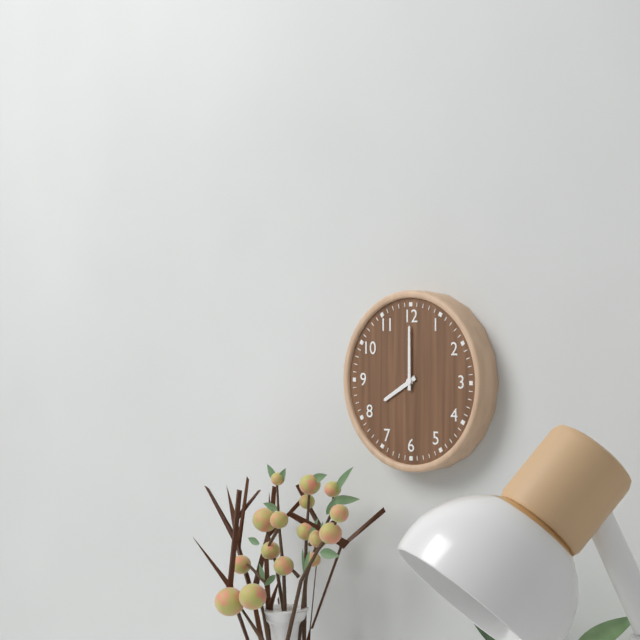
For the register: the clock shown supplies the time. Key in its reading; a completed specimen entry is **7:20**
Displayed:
**8:00**
